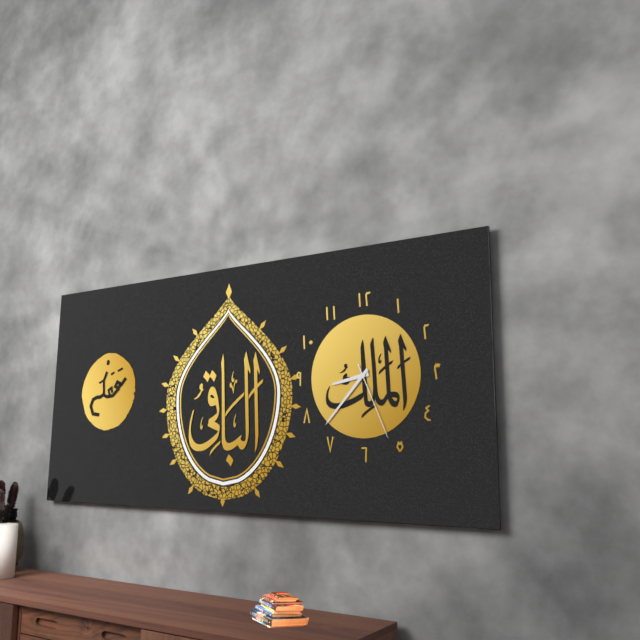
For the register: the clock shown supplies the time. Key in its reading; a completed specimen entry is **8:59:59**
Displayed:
**8:37:26**
